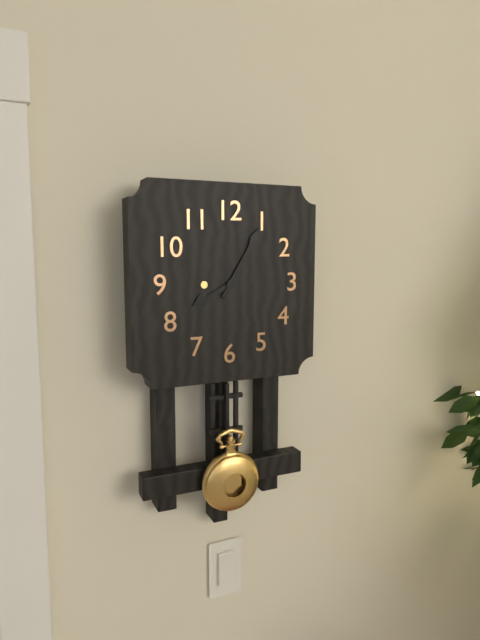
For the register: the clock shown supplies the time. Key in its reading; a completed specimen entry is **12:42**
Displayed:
**8:05**
